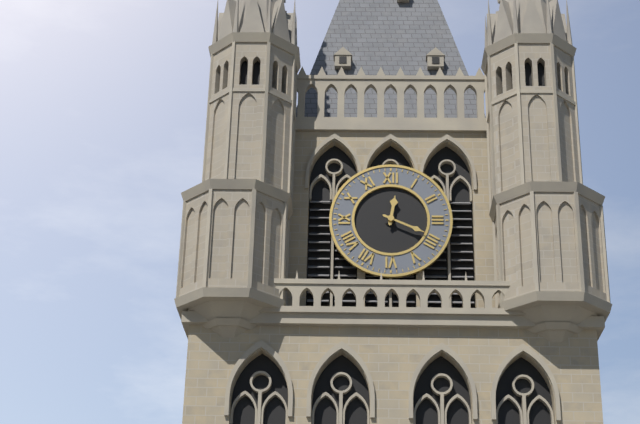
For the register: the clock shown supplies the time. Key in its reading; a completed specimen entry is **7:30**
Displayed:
**12:19**
